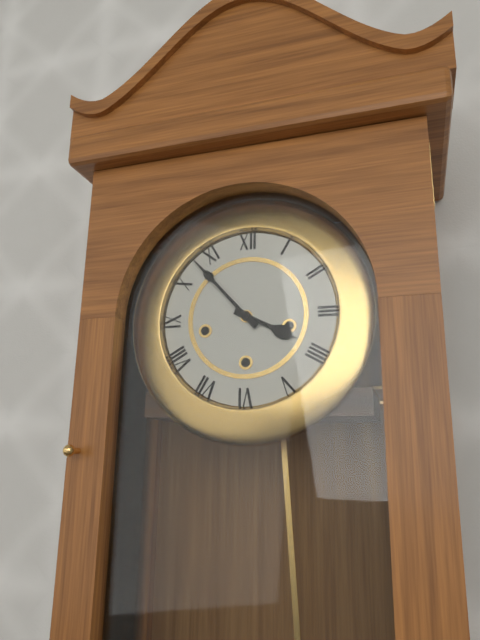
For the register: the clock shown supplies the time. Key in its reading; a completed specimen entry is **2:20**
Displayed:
**3:53**
